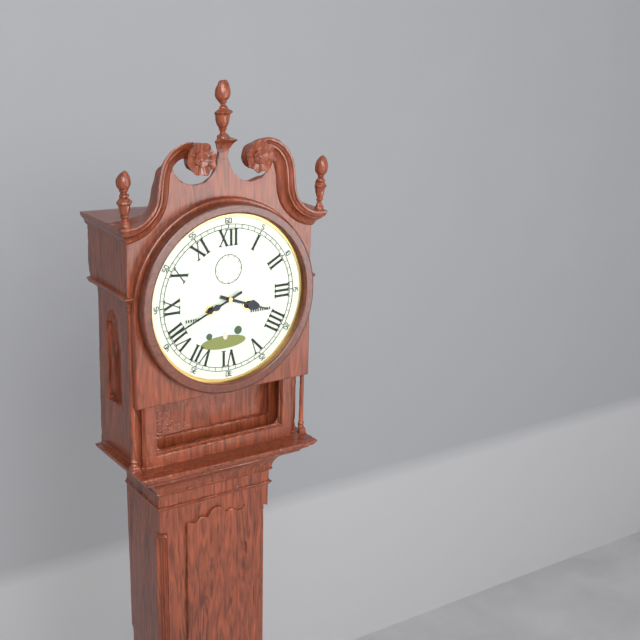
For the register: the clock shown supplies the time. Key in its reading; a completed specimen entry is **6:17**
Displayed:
**3:41**
